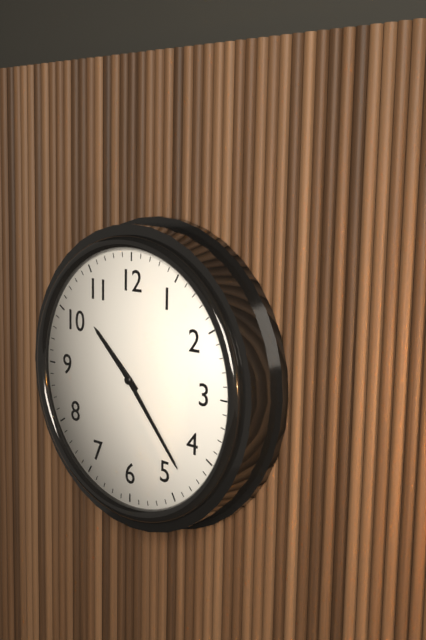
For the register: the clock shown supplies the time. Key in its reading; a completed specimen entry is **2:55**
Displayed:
**10:23**
